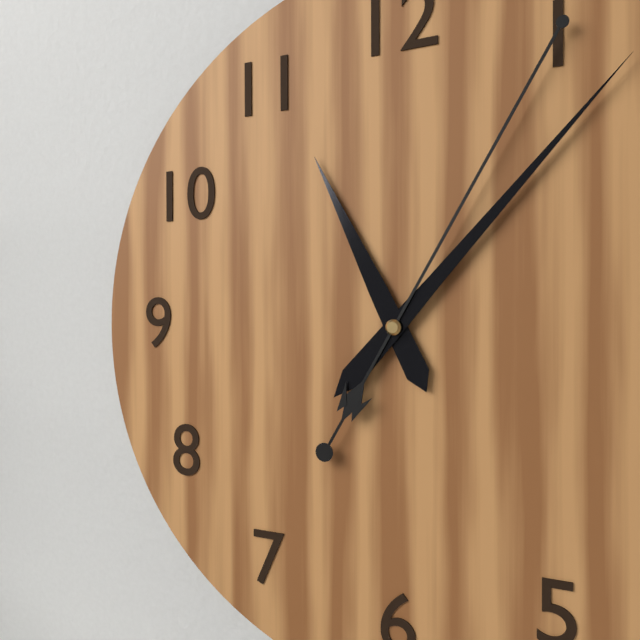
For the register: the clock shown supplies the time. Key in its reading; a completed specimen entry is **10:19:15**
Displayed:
**11:07:05**
